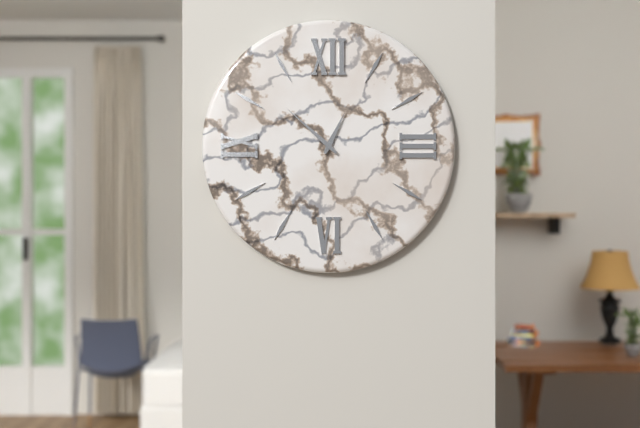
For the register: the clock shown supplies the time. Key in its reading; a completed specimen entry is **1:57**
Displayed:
**12:52**
